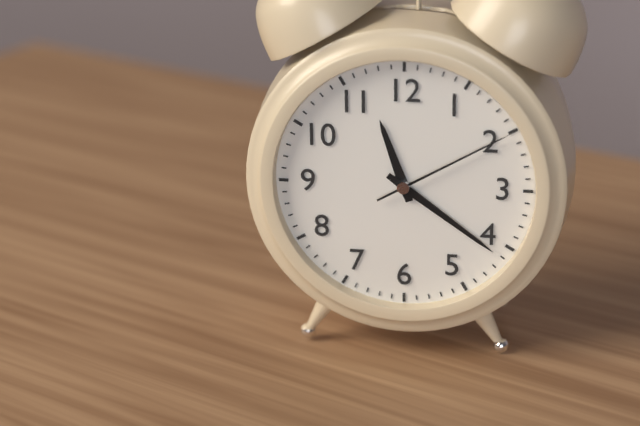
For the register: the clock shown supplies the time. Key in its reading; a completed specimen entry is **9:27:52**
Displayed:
**11:21:10**
